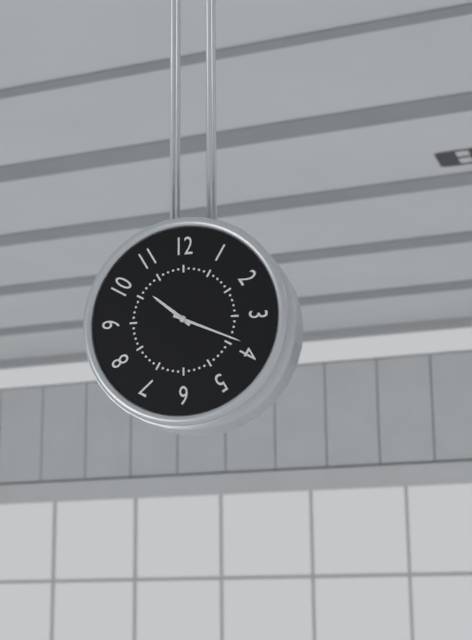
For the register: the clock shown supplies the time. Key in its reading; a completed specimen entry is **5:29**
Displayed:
**10:19**
